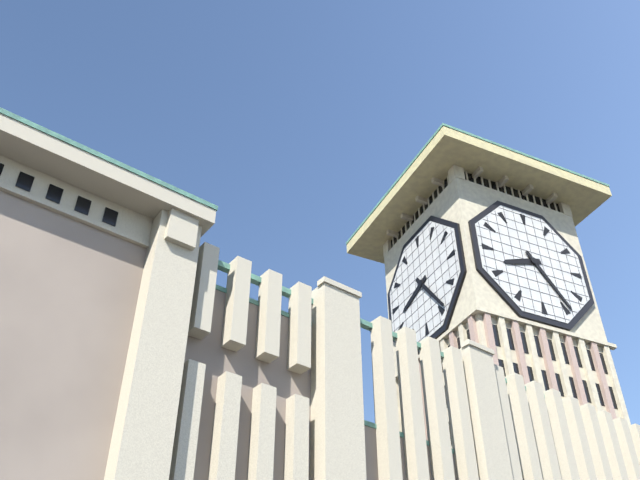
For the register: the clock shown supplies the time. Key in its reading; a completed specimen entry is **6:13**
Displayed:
**8:24**
